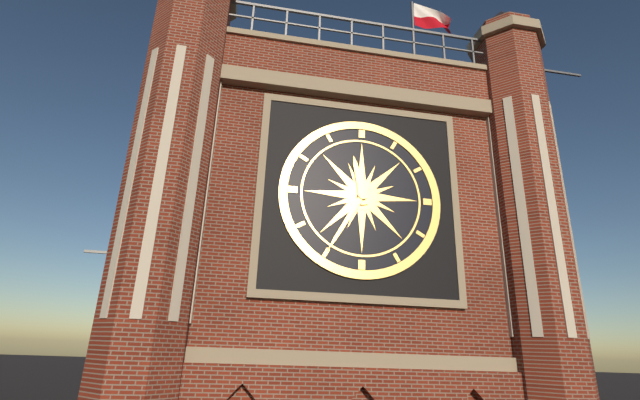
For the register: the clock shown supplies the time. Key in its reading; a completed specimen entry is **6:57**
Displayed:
**11:35**
